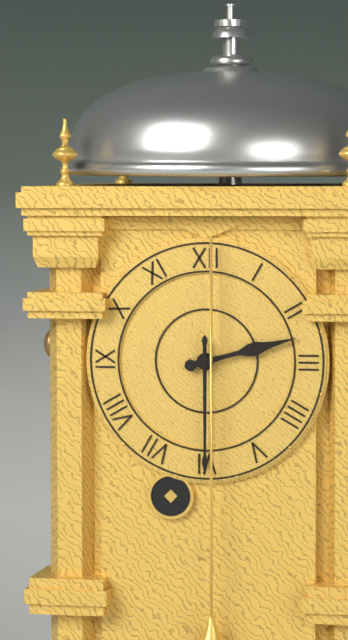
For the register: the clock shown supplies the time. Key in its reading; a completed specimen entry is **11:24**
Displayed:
**2:30**
